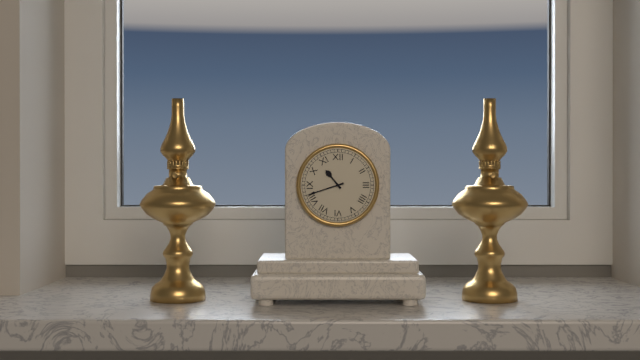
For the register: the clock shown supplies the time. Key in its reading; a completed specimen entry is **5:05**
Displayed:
**10:42**
